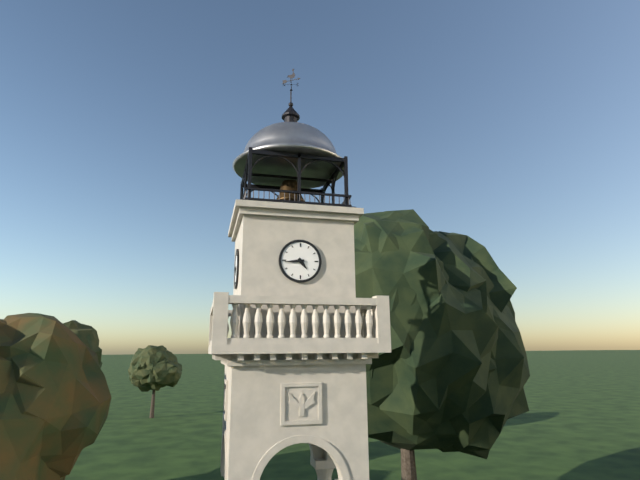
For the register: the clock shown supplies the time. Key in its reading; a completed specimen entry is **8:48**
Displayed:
**4:44**
